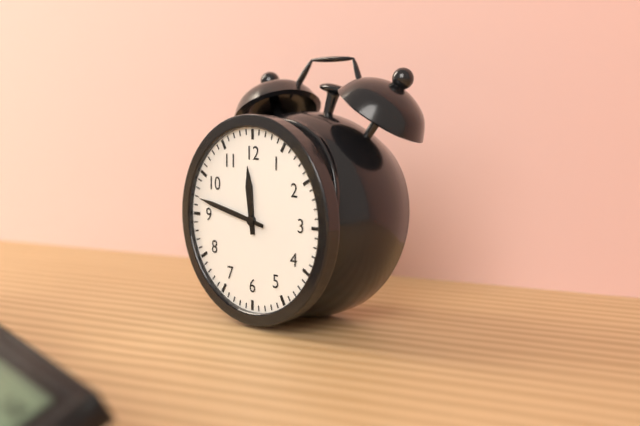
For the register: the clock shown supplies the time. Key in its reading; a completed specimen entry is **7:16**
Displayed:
**11:47**
